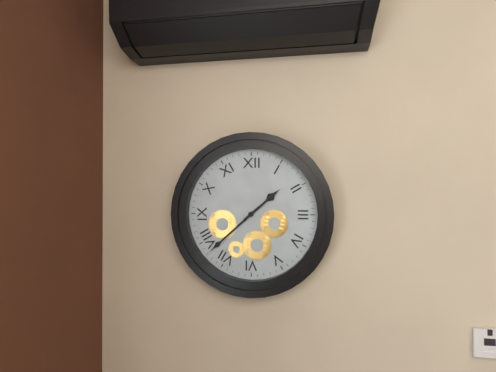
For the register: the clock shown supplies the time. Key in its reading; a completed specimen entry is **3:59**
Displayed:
**1:38**
